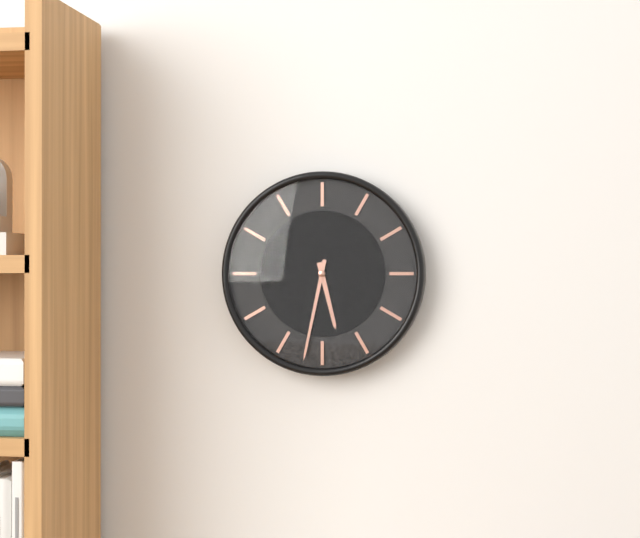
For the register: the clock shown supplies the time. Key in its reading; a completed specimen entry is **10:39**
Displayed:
**5:32**
